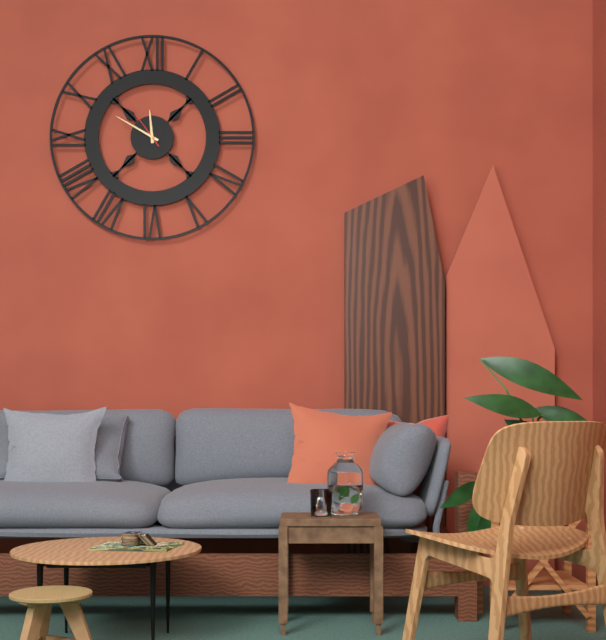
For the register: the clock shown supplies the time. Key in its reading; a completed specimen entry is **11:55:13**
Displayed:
**11:50:54**
